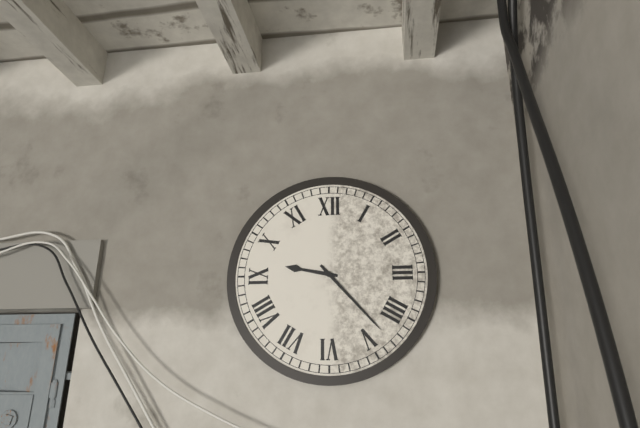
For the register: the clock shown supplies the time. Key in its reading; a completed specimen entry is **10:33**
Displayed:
**9:23**
